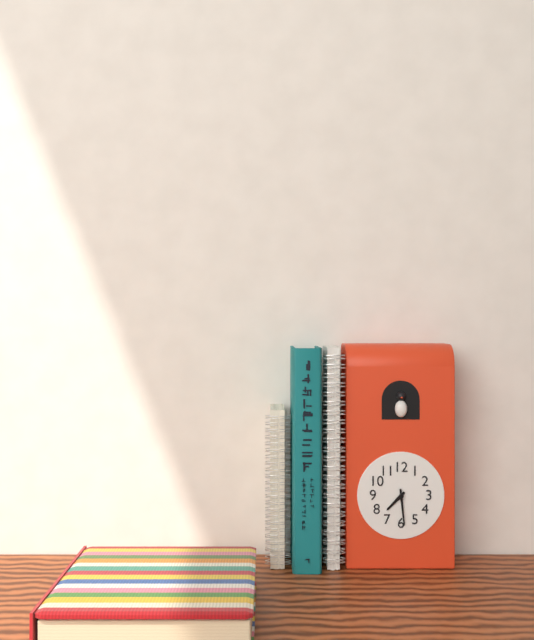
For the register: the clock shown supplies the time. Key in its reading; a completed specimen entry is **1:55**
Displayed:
**7:29**
